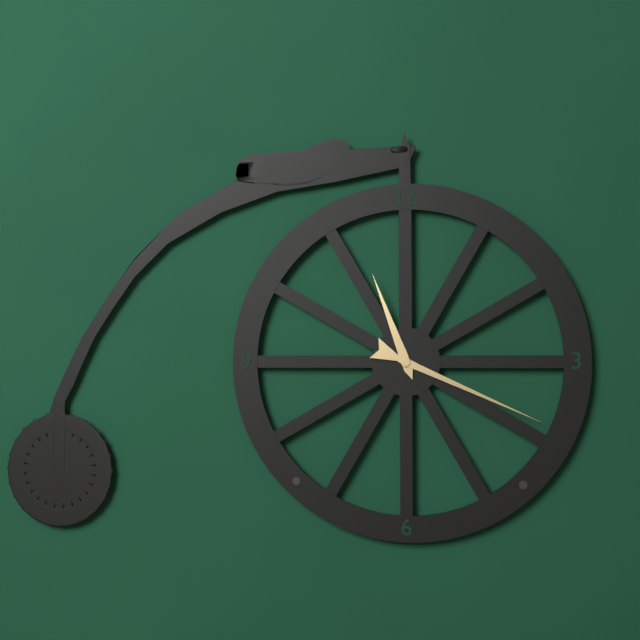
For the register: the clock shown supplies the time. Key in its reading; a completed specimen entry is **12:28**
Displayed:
**11:19**
